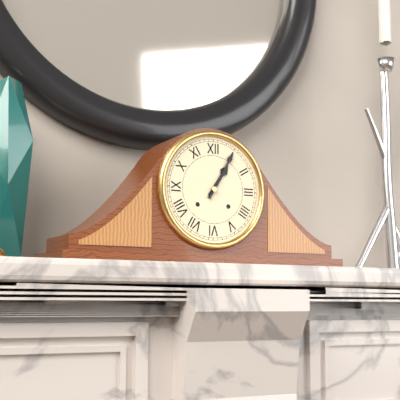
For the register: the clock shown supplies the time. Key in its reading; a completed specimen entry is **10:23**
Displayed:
**1:05**
